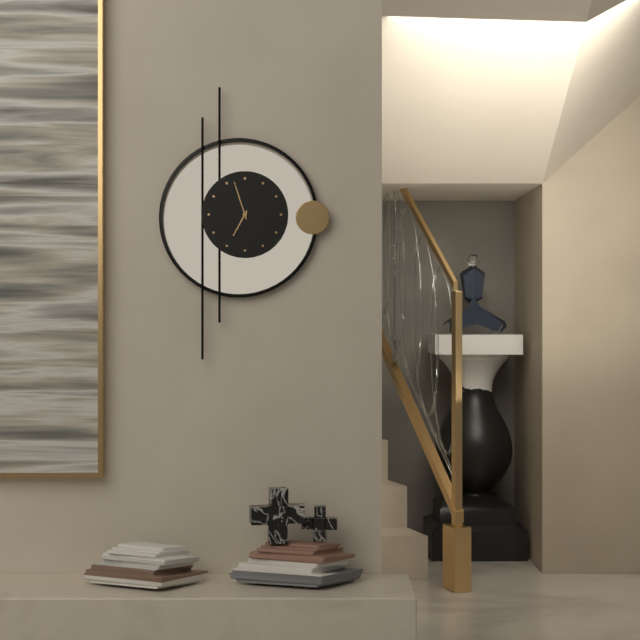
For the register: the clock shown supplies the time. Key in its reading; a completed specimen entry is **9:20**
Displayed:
**6:57**
